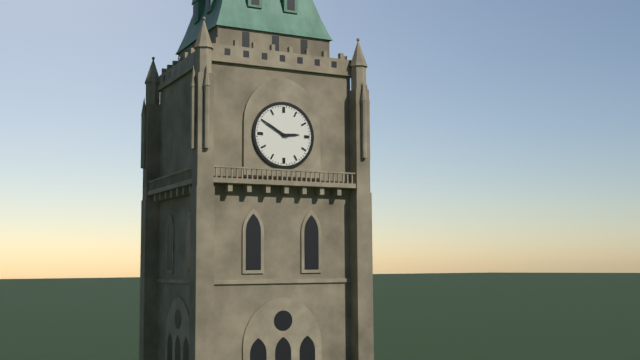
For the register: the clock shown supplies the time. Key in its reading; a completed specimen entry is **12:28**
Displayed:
**2:50**
